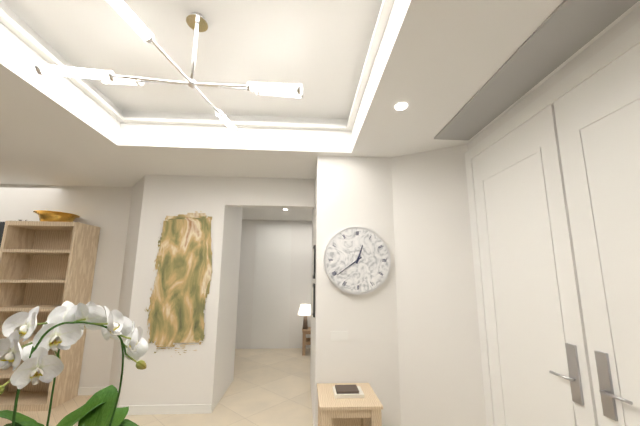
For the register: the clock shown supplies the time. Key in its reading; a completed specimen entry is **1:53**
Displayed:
**12:39**
